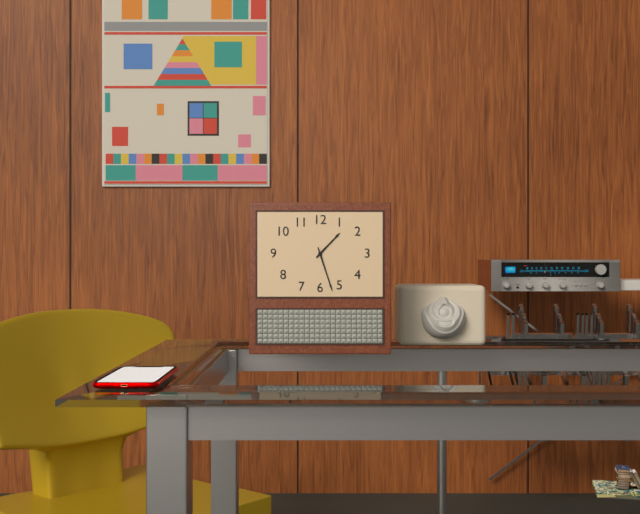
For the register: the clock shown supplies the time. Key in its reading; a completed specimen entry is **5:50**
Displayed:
**1:27**
